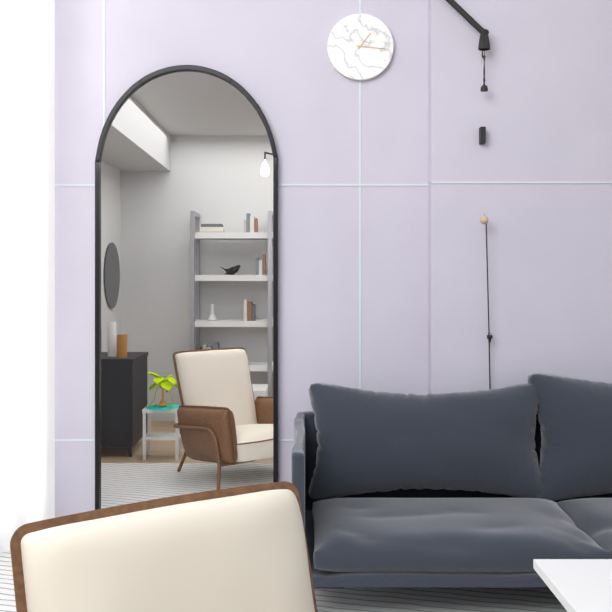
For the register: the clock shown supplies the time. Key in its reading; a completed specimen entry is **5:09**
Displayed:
**1:16**
